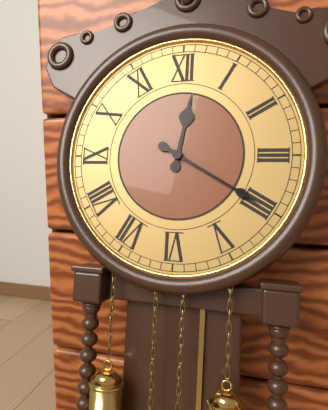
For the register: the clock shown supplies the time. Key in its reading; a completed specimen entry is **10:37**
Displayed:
**12:20**
